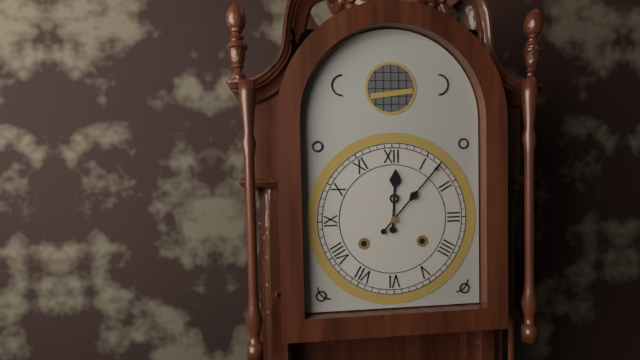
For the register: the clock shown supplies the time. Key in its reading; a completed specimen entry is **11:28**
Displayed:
**12:07**
